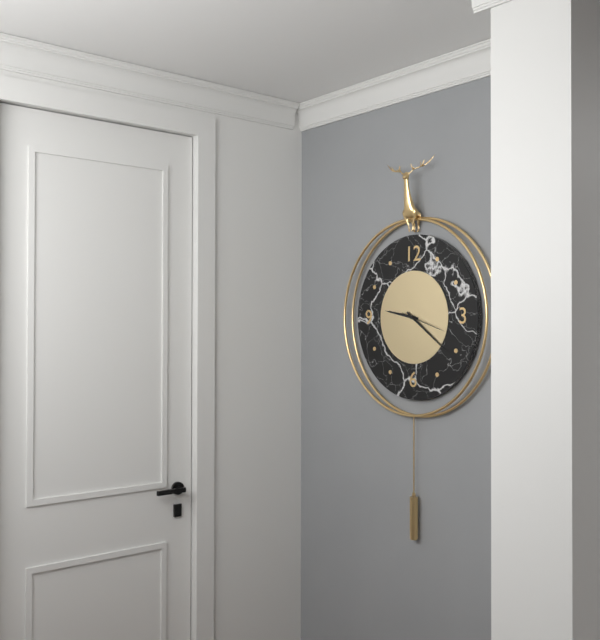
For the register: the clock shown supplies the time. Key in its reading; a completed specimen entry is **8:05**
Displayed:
**9:21**
